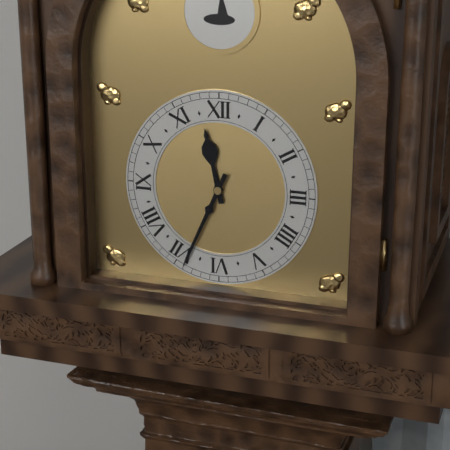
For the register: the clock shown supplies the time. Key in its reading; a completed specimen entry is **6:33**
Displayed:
**11:34**
